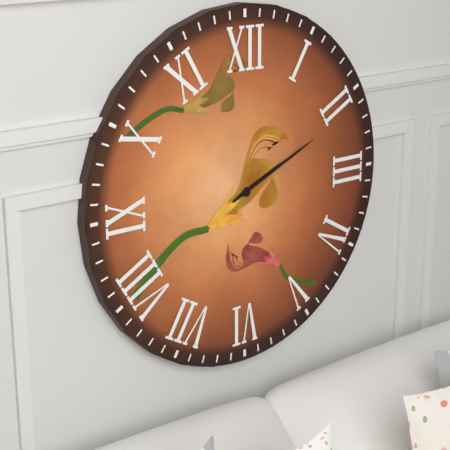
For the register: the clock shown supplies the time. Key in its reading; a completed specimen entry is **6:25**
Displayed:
**2:11**
